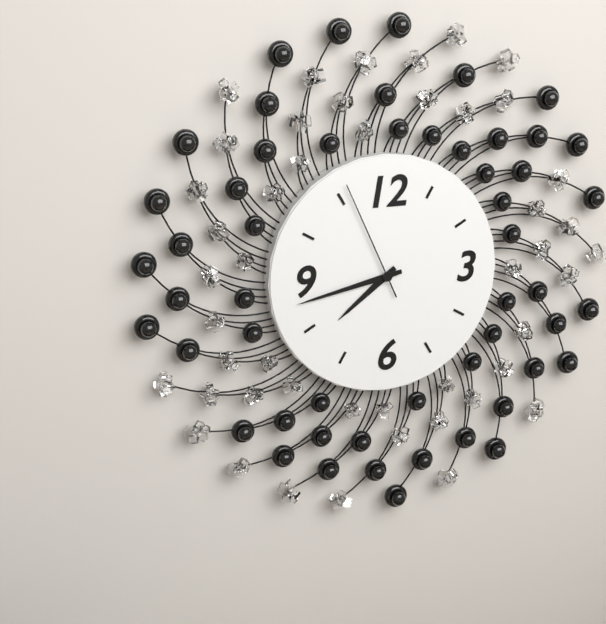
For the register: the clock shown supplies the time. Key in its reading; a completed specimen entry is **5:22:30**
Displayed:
**7:43:56**
